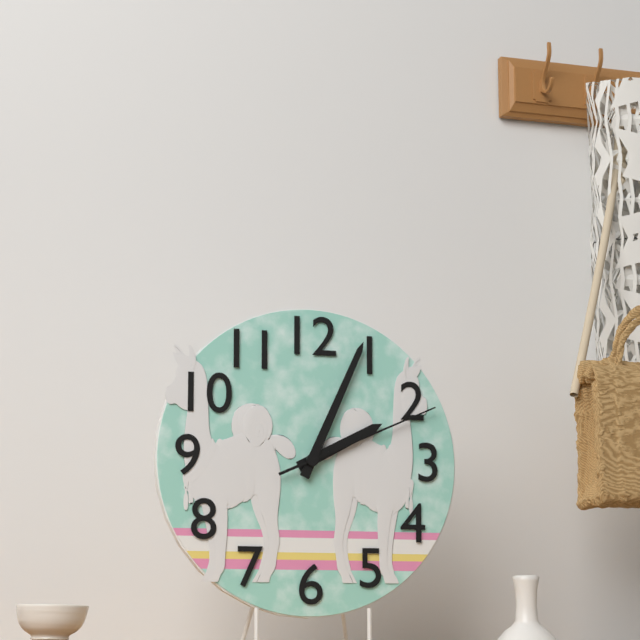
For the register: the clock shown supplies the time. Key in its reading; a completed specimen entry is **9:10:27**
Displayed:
**2:04:11**
